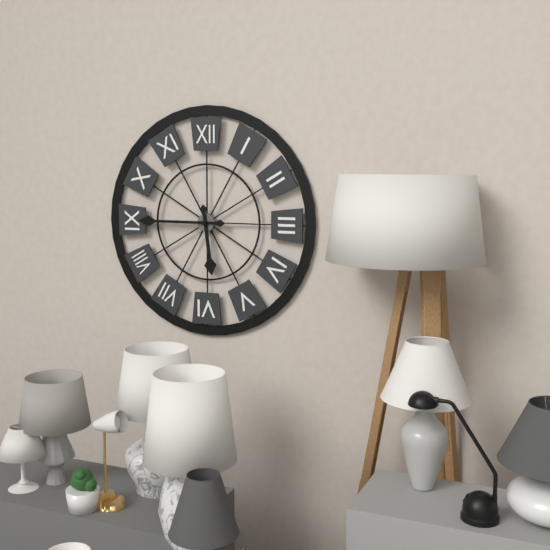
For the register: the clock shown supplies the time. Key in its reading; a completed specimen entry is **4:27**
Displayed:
**5:45**
